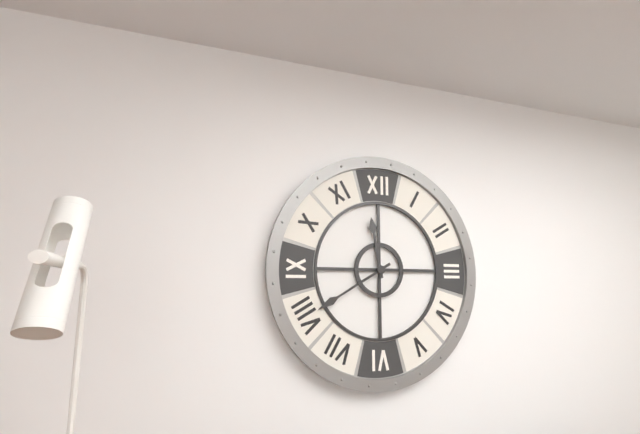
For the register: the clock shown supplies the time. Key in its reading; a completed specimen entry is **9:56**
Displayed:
**11:40**
